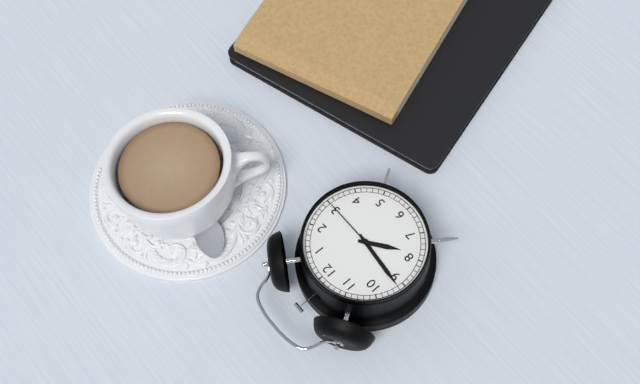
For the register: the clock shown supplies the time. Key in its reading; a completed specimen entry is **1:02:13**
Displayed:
**7:46:15**
